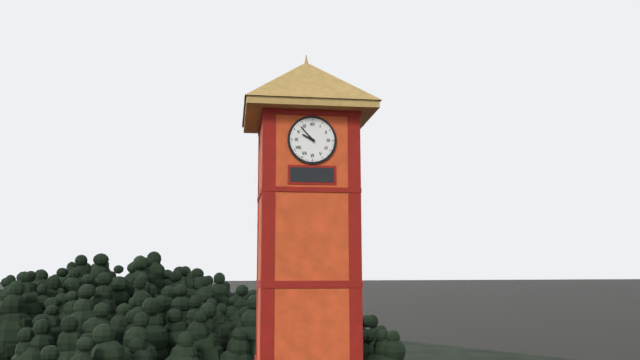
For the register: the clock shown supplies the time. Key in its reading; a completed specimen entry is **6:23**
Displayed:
**9:53**
